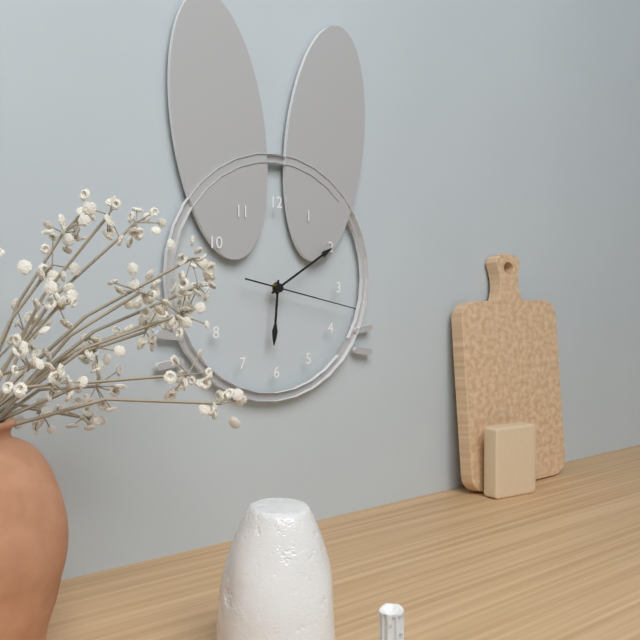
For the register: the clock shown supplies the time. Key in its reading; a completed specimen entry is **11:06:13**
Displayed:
**6:10:17**
